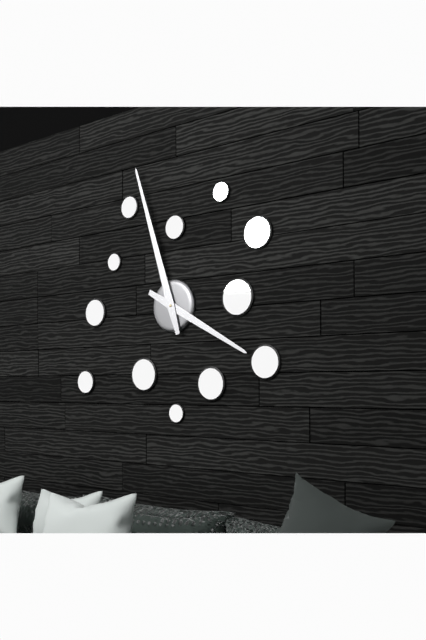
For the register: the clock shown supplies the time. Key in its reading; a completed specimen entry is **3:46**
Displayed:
**3:57**
